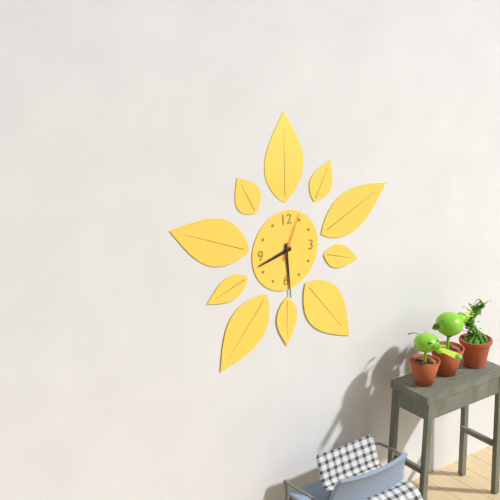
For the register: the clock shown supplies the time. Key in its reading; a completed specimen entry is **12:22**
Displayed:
**8:29**
